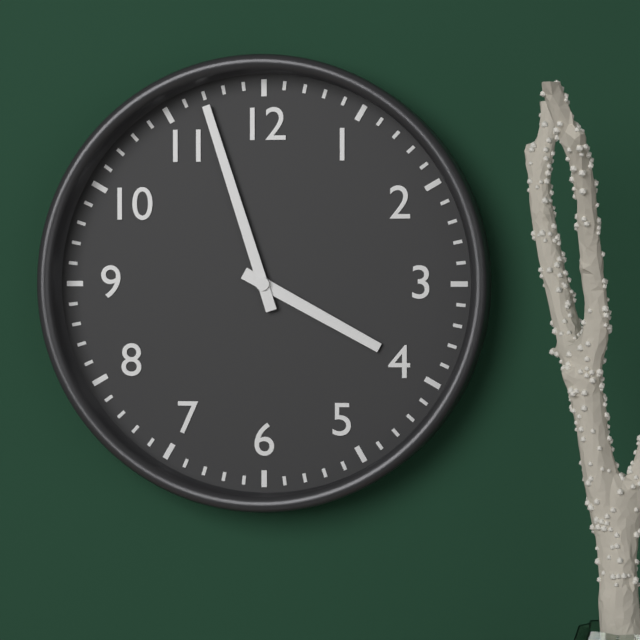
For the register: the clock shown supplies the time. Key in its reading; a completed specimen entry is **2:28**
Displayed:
**3:57**
